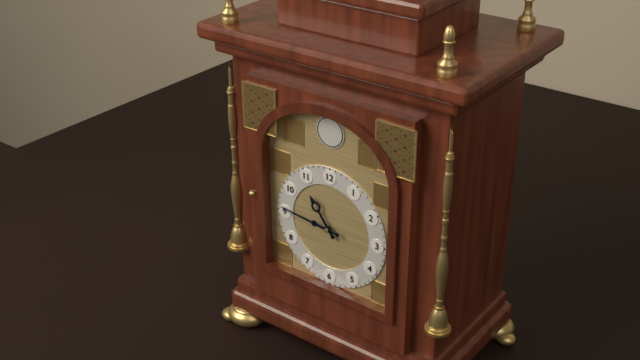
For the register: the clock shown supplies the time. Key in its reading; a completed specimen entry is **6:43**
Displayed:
**10:46**
